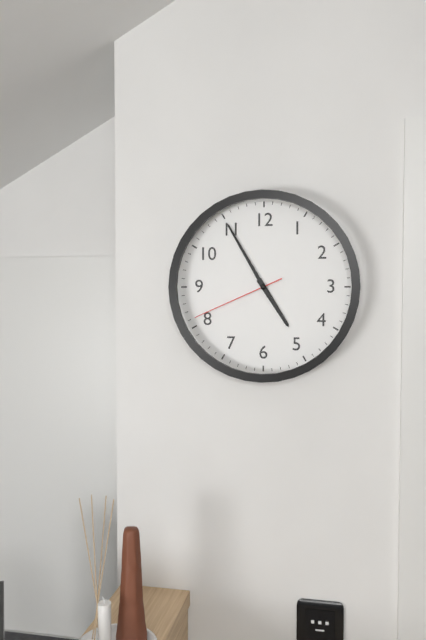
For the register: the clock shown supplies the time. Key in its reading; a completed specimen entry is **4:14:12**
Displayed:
**4:55:41**
